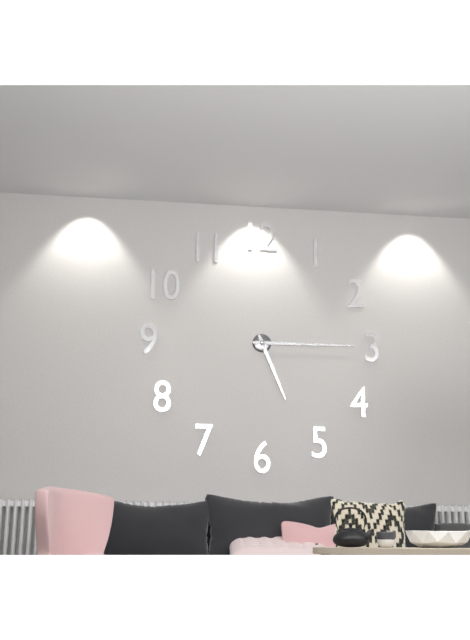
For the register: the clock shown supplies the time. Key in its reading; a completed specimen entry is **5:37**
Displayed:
**5:15**
